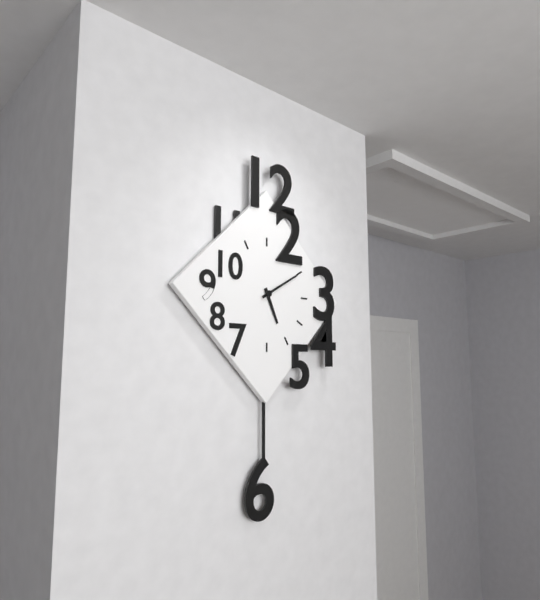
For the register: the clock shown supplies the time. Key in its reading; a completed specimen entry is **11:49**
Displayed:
**5:10**
